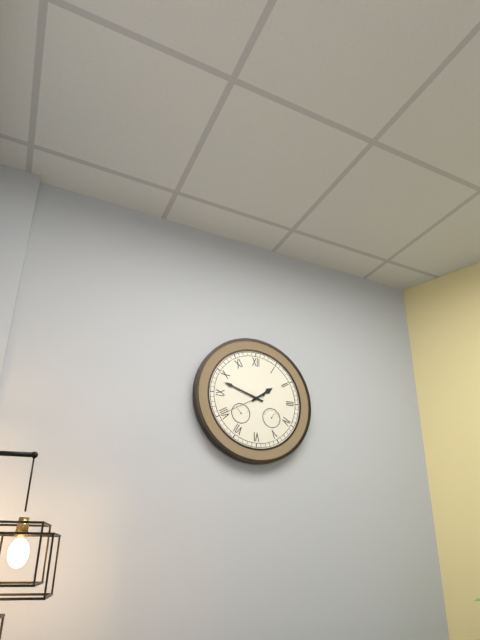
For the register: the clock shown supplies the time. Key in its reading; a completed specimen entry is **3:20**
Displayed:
**1:48**
